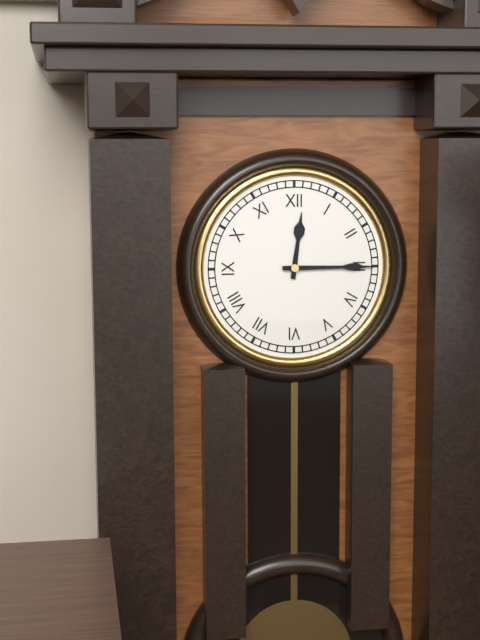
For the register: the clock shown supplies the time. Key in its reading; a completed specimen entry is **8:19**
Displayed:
**12:15**
